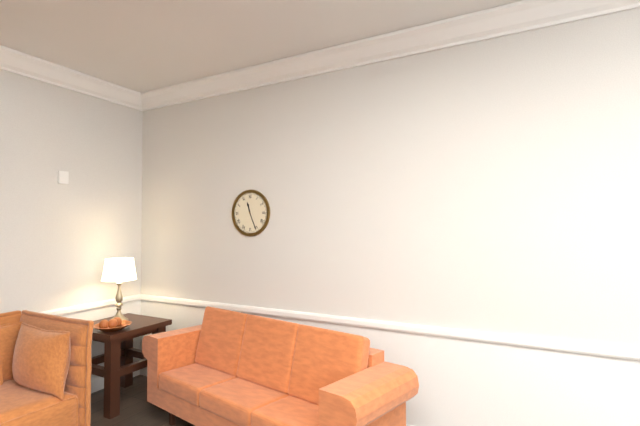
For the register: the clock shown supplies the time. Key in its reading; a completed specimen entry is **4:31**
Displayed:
**11:26**
